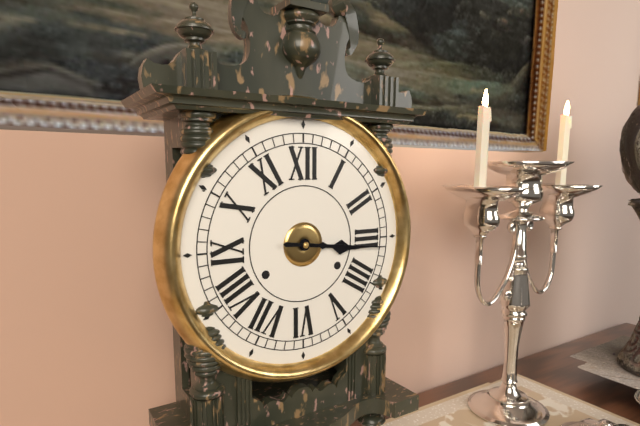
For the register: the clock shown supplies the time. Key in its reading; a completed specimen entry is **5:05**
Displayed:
**3:16**
